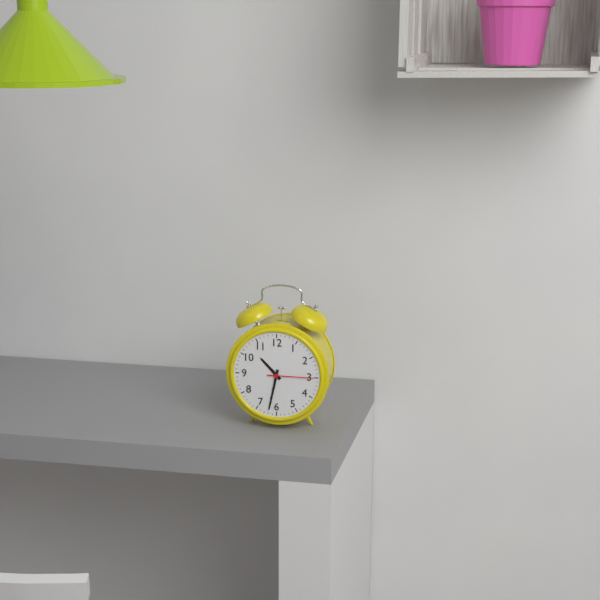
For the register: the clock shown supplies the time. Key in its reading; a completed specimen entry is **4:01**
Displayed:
**10:32**
